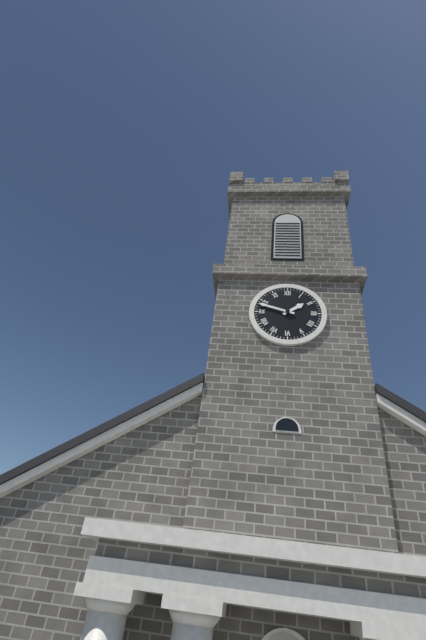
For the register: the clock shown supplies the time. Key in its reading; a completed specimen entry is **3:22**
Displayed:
**1:48**
